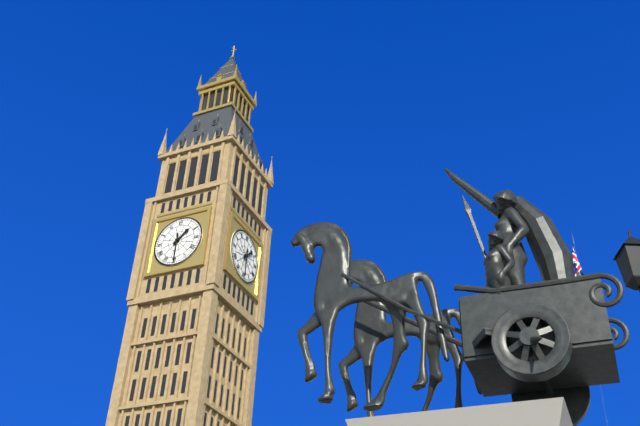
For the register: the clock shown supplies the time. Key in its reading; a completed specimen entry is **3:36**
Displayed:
**1:30**
